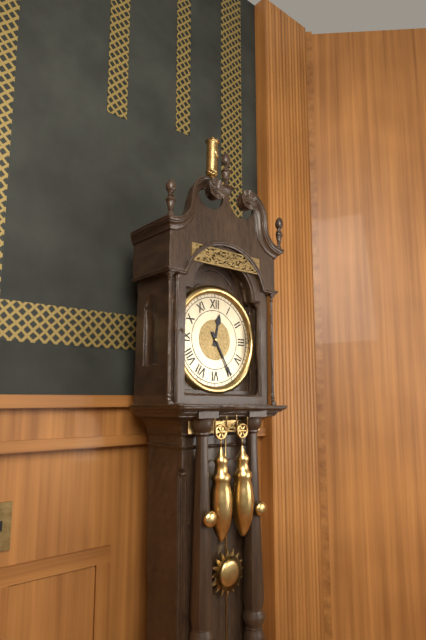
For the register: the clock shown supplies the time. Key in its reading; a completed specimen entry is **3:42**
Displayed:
**12:25**
